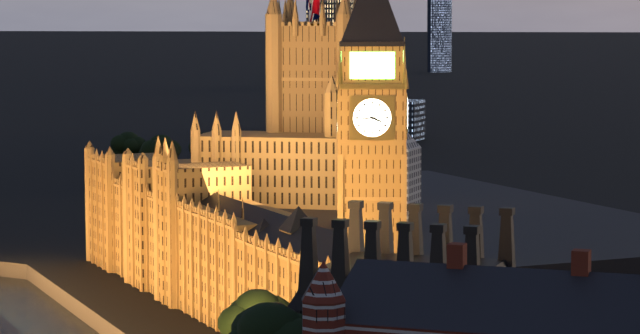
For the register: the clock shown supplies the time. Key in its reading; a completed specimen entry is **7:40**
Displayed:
**3:44**
